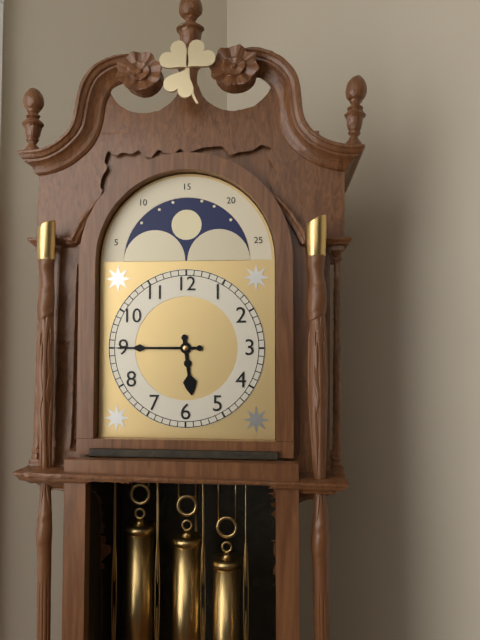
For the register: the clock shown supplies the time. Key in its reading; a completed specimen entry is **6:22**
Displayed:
**5:45**
